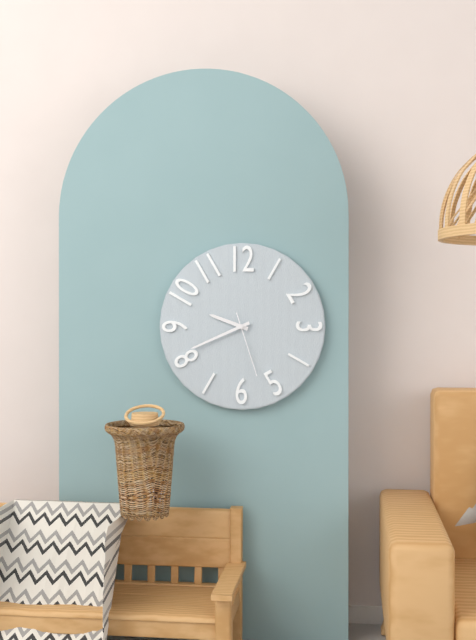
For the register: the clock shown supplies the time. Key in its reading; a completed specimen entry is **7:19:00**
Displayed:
**9:41:27**
